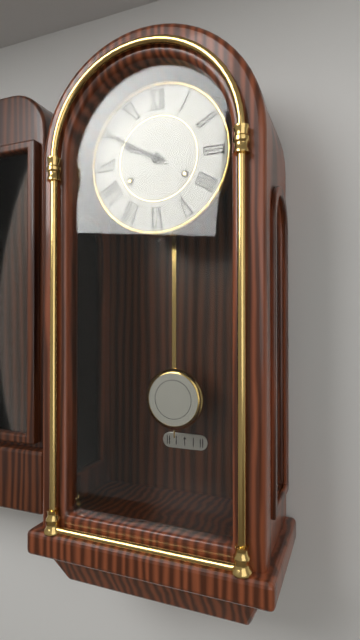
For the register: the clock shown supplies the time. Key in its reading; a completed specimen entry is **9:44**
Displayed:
**9:50**
